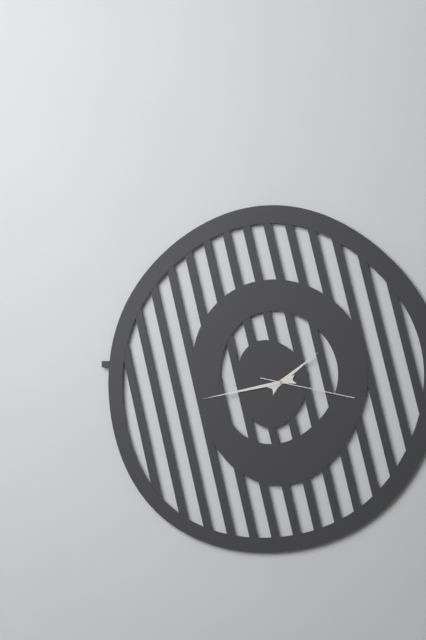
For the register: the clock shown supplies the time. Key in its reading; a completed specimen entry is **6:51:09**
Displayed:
**1:43:17**
